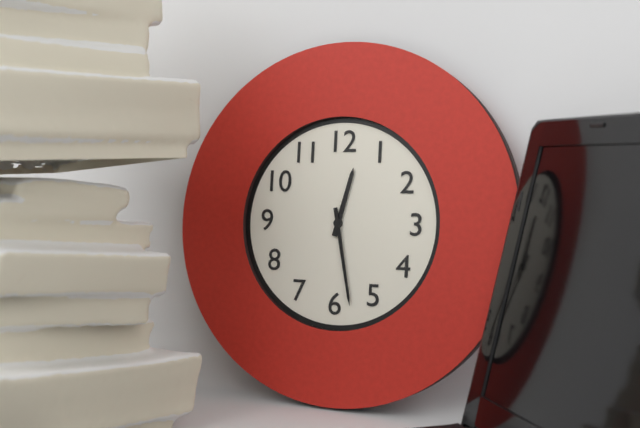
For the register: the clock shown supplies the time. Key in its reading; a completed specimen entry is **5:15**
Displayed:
**12:28**
